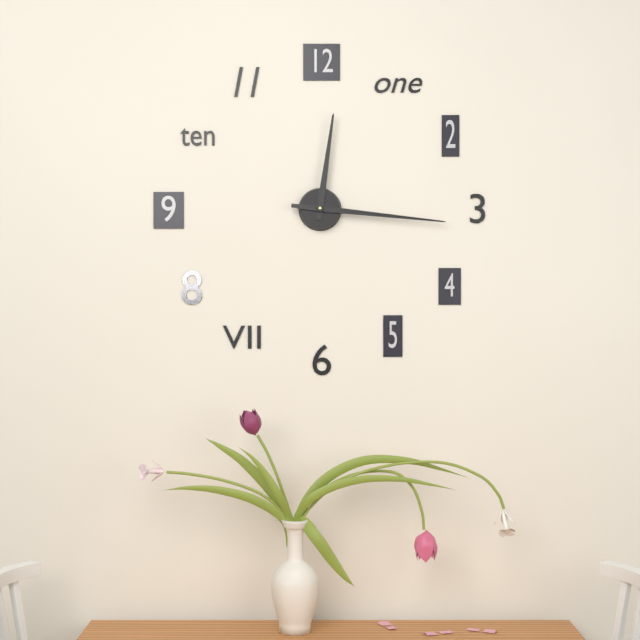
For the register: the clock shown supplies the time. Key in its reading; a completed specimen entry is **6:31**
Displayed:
**12:16**
